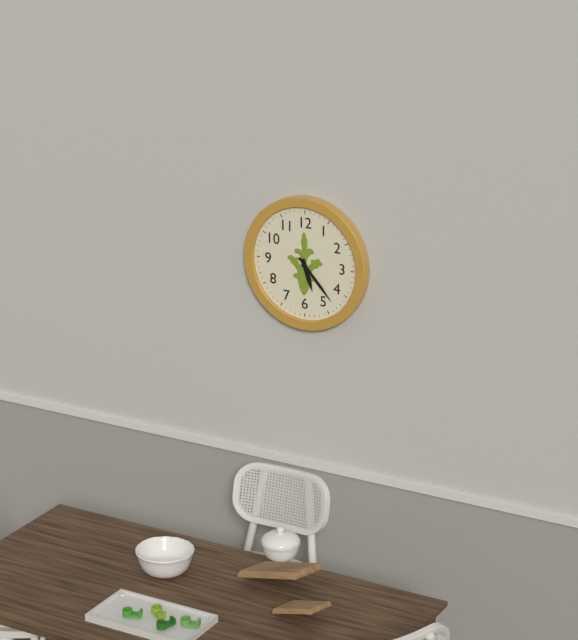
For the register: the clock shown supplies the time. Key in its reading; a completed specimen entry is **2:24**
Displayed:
**5:23**
